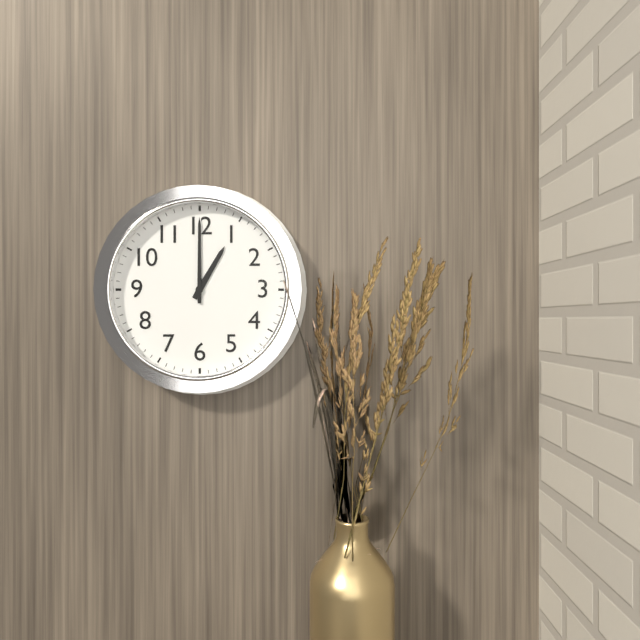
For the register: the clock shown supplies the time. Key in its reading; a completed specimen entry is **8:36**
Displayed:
**1:00**
